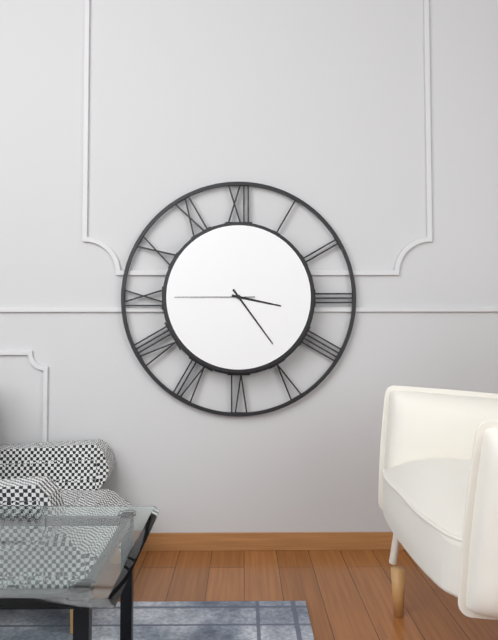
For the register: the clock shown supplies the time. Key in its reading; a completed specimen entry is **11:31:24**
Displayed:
**3:24:45**
